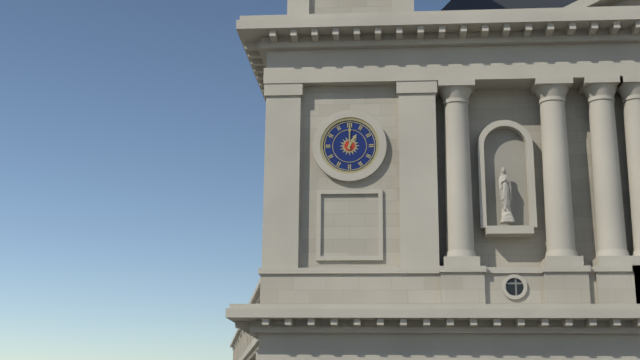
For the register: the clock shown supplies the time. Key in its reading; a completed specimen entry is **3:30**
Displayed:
**1:00**
